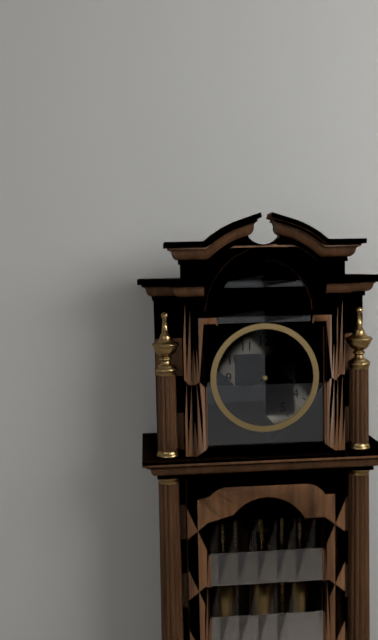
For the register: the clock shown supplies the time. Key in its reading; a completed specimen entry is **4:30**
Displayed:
**8:09**
